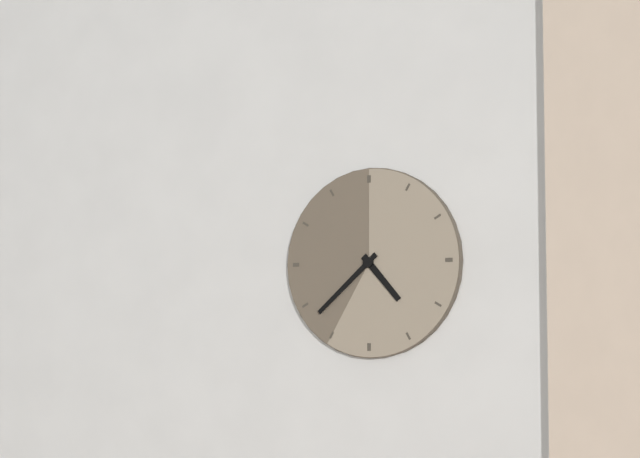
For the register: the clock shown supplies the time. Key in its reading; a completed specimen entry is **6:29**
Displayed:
**4:38**
